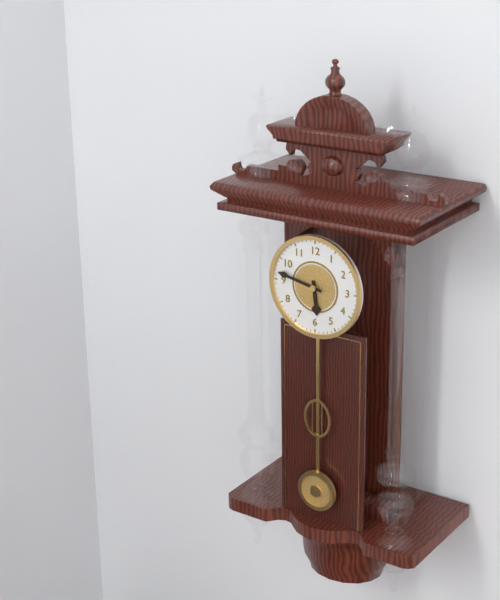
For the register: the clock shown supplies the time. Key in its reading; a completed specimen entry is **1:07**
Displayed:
**5:47**
